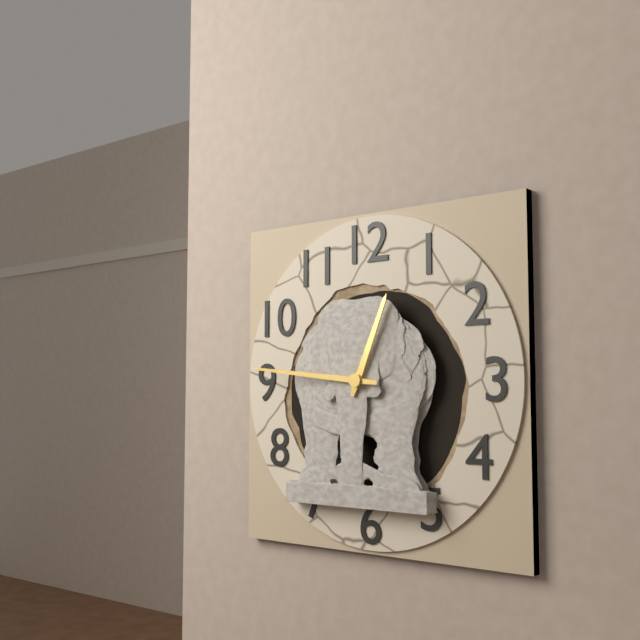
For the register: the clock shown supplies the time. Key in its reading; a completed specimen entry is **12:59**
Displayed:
**12:46**
